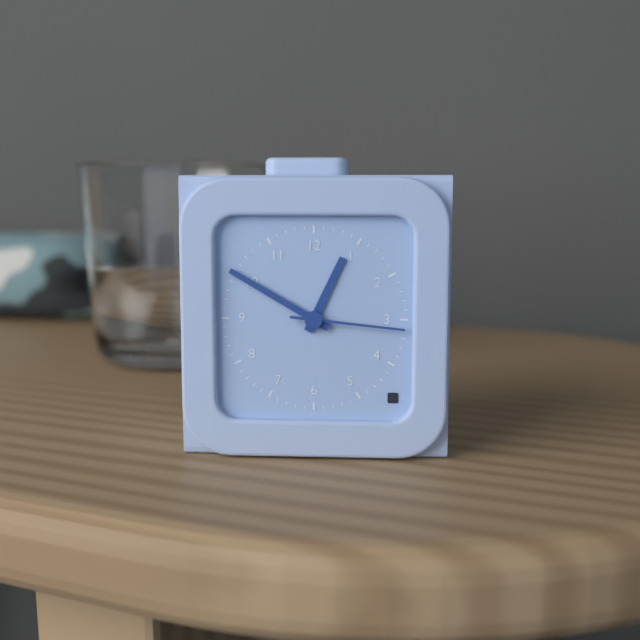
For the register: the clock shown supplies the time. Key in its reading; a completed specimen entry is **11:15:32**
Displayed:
**12:50:16**
